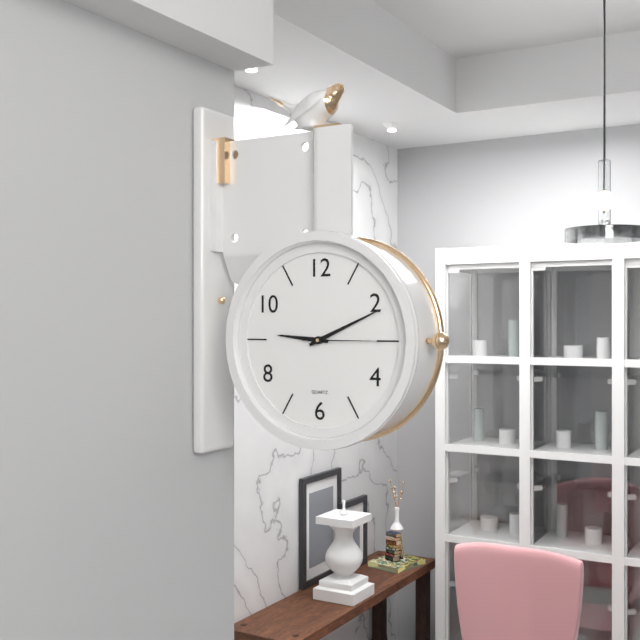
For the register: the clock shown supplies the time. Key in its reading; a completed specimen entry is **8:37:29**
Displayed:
**9:11:15**
